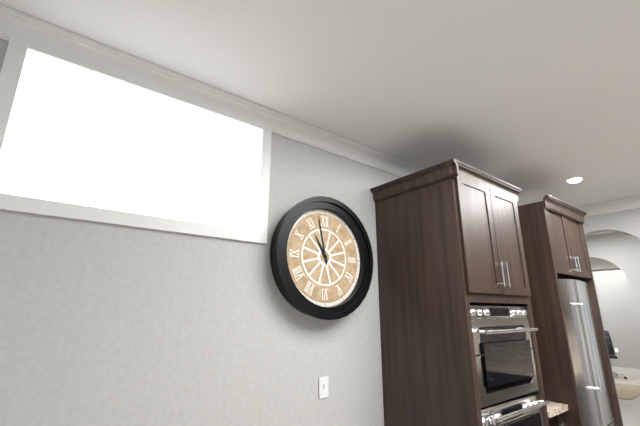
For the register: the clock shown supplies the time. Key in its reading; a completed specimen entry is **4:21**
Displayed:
**10:58**
